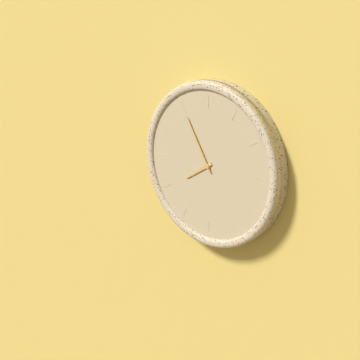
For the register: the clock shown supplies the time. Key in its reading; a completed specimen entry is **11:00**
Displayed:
**7:55**
